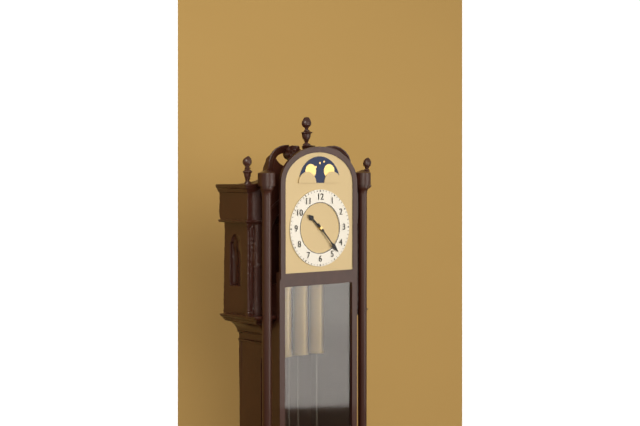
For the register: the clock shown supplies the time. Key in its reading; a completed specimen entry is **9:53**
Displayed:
**10:23**
